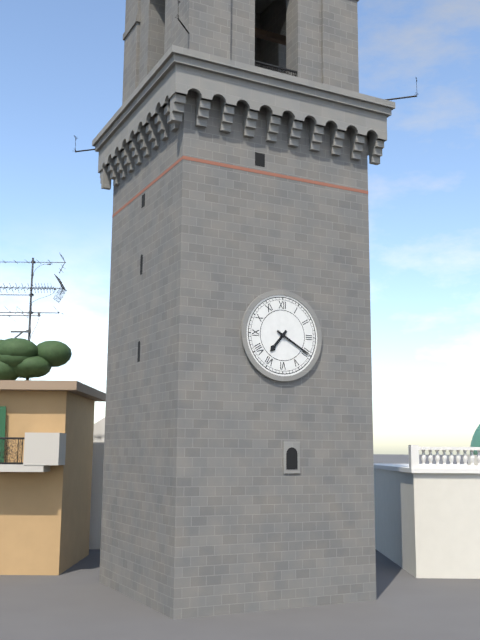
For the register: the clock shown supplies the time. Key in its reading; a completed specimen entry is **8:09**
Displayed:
**7:20**
